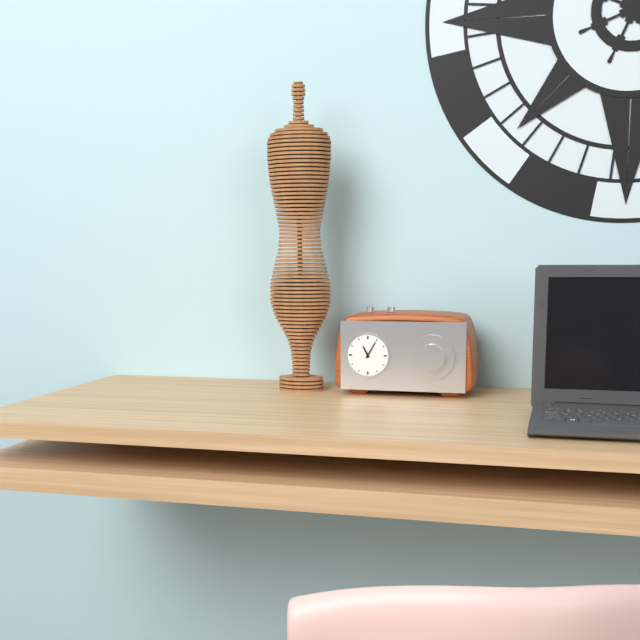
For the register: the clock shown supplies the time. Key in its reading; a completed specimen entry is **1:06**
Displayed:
**11:05**
